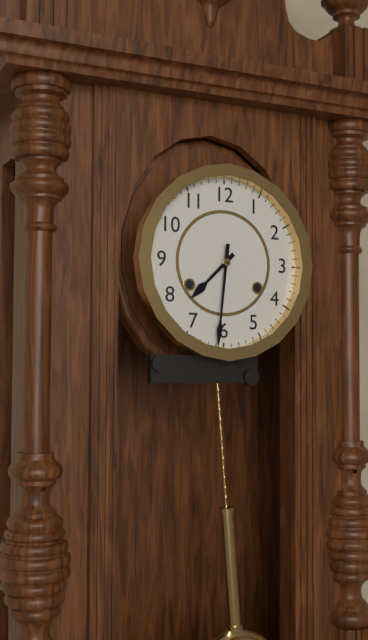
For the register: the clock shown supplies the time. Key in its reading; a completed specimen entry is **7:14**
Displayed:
**7:31**
